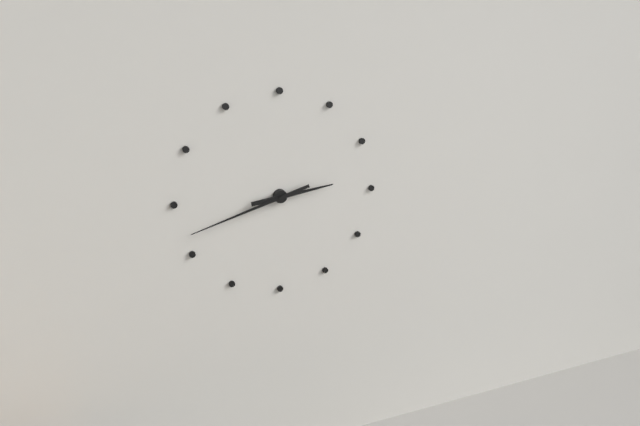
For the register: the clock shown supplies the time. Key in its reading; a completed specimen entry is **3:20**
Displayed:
**2:42**
